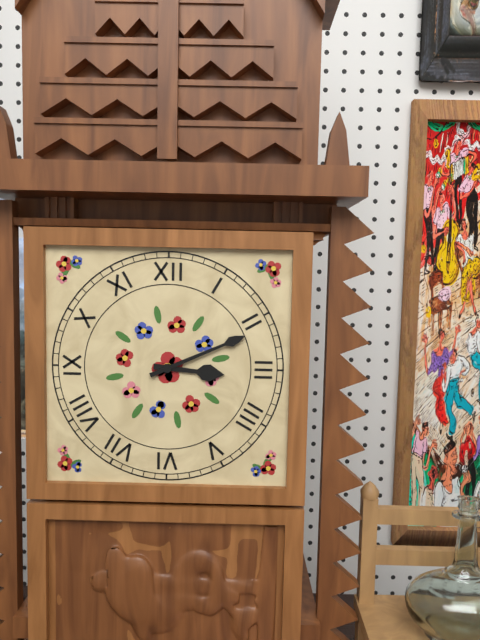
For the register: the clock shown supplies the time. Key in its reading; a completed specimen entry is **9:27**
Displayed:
**3:11**
